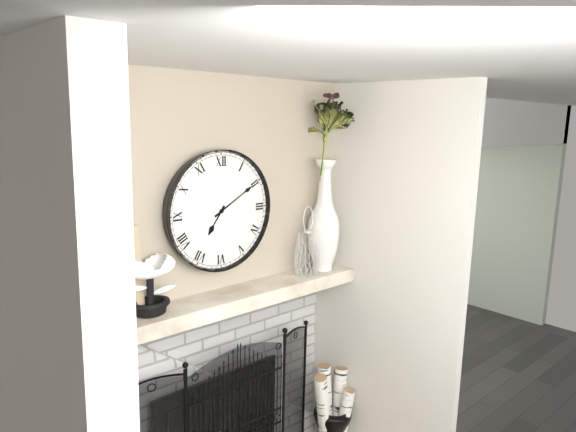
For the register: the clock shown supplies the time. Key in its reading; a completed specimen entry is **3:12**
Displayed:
**7:10**
